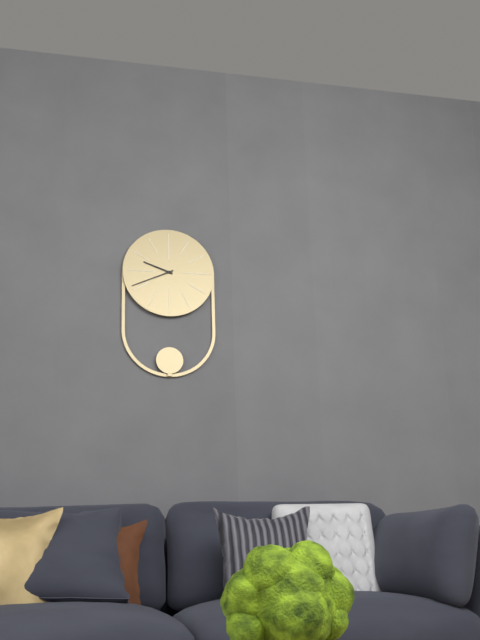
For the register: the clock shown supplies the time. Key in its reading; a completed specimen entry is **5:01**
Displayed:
**9:41**
